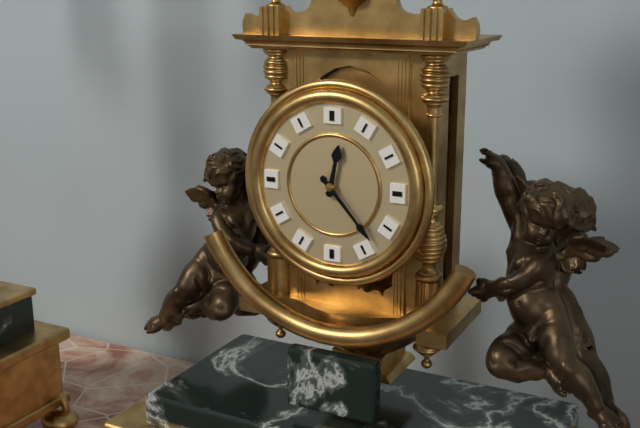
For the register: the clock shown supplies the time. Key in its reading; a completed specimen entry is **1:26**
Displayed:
**12:23**
